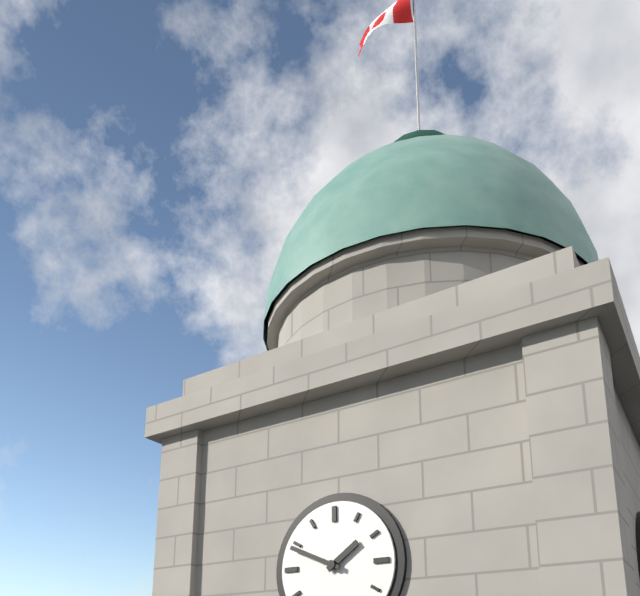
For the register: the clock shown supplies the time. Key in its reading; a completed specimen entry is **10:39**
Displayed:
**1:49**
